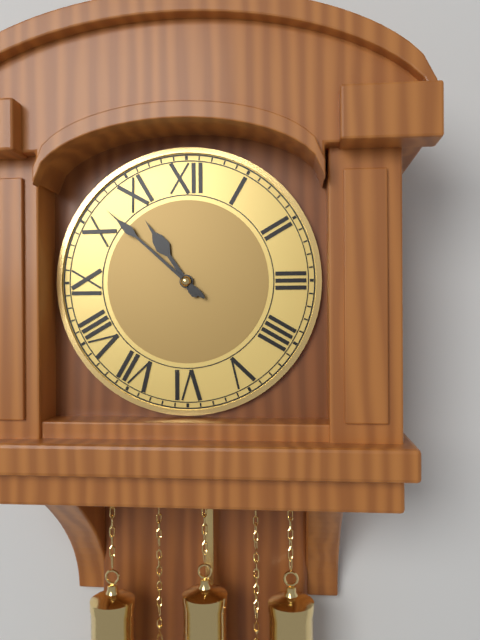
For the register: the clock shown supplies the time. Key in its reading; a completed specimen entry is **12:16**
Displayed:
**10:52**
